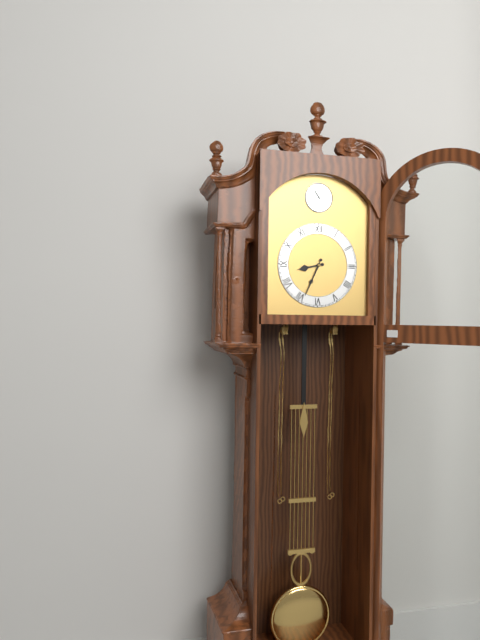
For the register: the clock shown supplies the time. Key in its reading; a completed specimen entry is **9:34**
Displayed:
**8:34**
